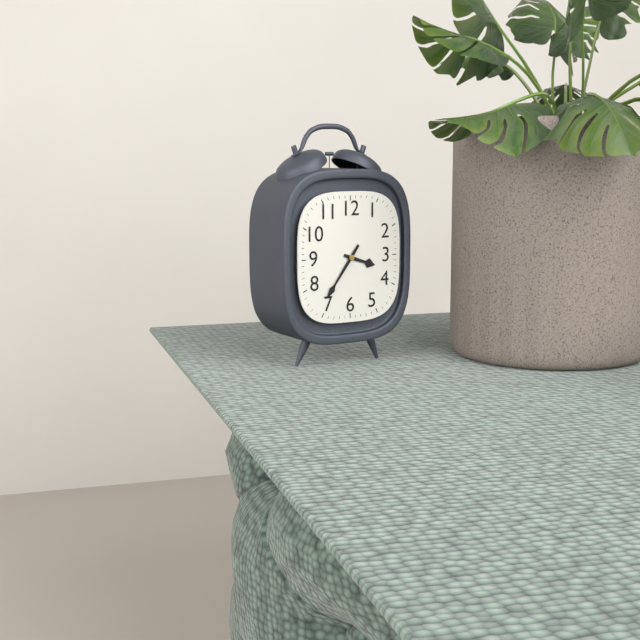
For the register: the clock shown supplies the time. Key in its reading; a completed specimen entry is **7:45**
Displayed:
**3:36**
